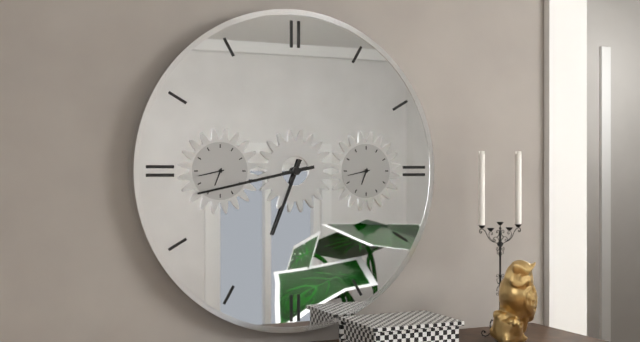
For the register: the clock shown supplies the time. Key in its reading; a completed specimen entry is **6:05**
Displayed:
**6:43**
